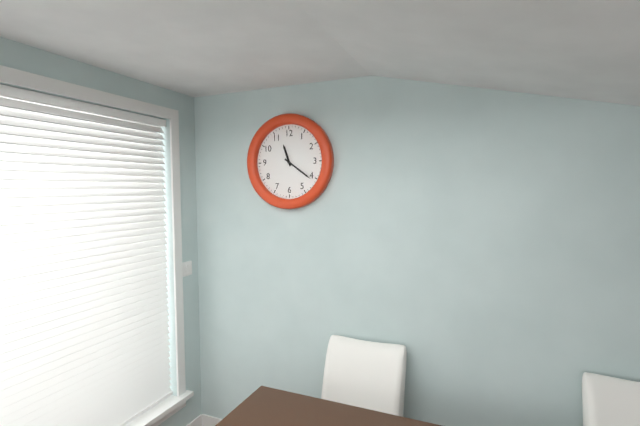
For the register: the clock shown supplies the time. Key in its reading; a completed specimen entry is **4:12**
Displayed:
**11:21**
